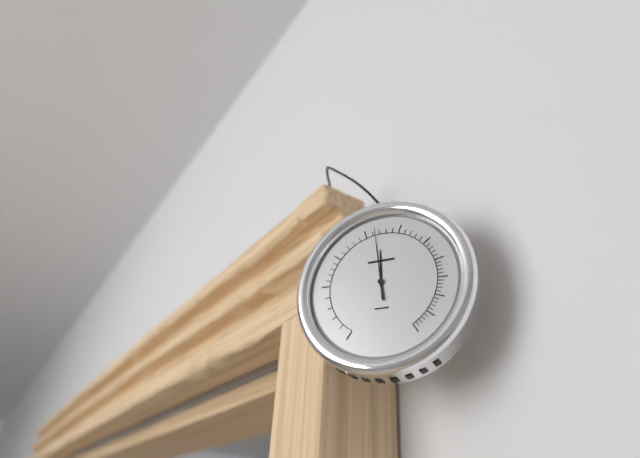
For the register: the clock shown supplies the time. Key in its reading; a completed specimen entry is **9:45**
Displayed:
**11:59**
